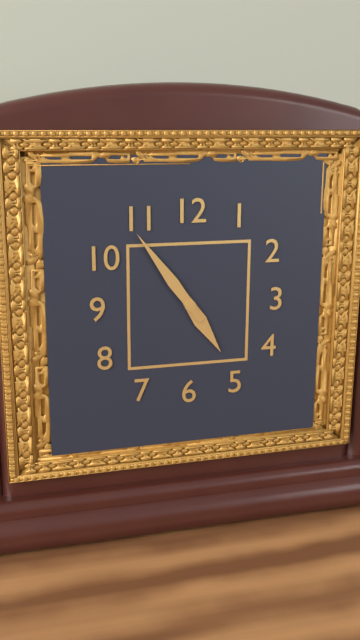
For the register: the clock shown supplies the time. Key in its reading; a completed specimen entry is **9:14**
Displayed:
**4:54**
